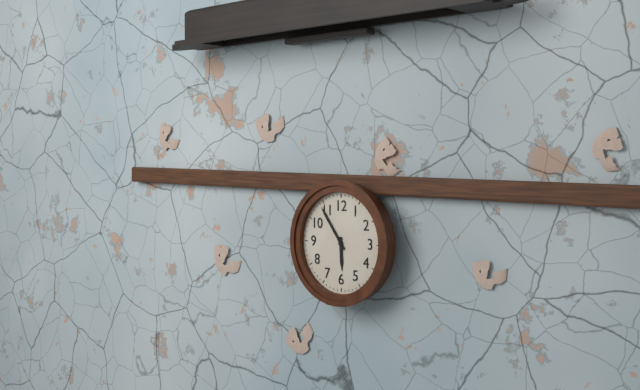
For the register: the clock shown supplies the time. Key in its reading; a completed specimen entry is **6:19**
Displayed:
**5:54**
